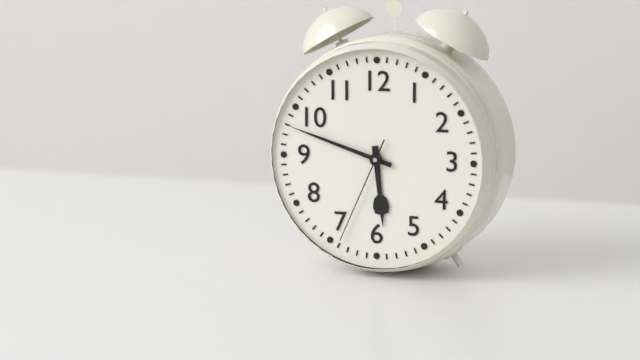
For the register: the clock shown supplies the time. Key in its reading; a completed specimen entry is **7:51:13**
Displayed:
**5:48:34**
